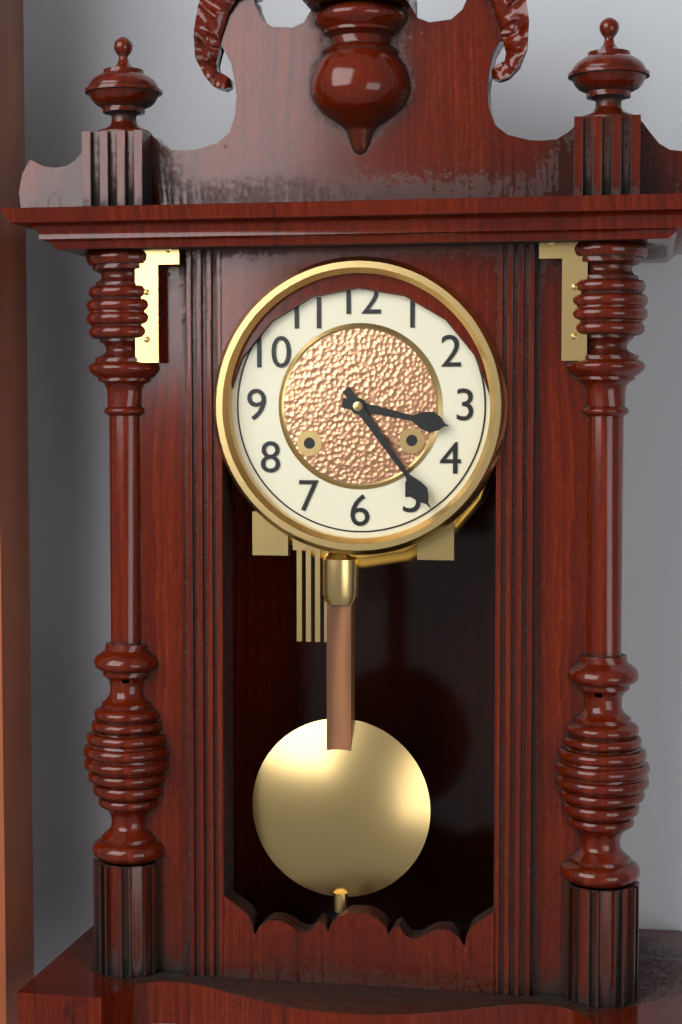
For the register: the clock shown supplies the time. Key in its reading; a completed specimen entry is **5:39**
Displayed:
**3:24**
